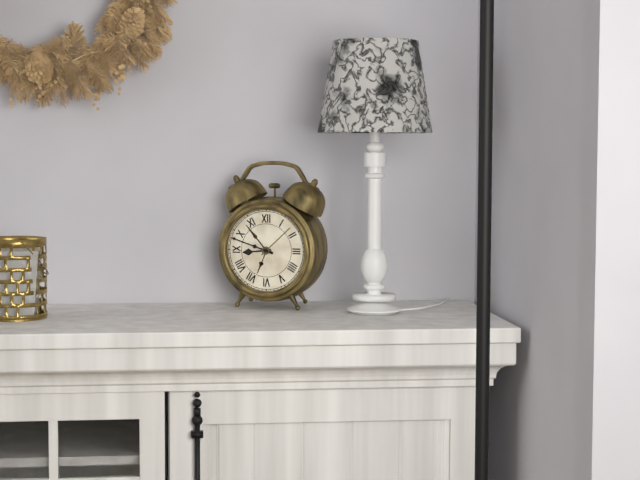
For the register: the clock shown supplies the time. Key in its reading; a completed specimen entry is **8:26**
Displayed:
**8:48**
